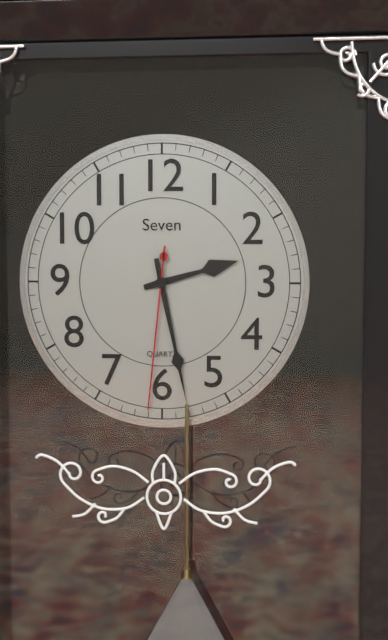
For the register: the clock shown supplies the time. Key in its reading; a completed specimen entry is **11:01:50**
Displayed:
**2:28:31**
